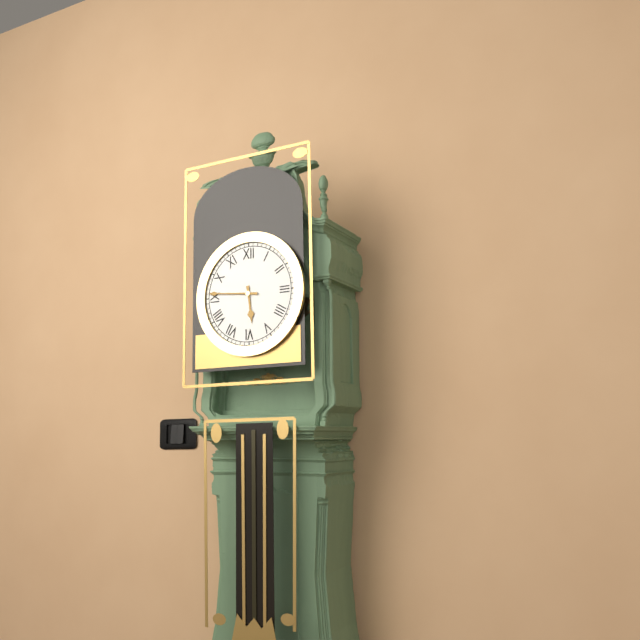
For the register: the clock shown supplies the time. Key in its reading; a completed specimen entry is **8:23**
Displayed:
**5:46**
